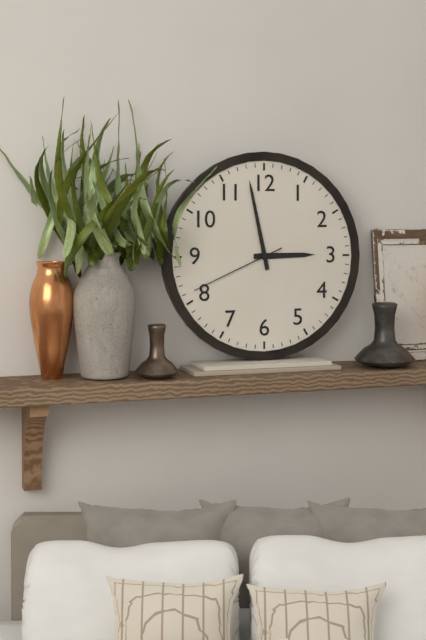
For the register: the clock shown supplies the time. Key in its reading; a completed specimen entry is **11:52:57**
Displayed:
**2:58:41**
